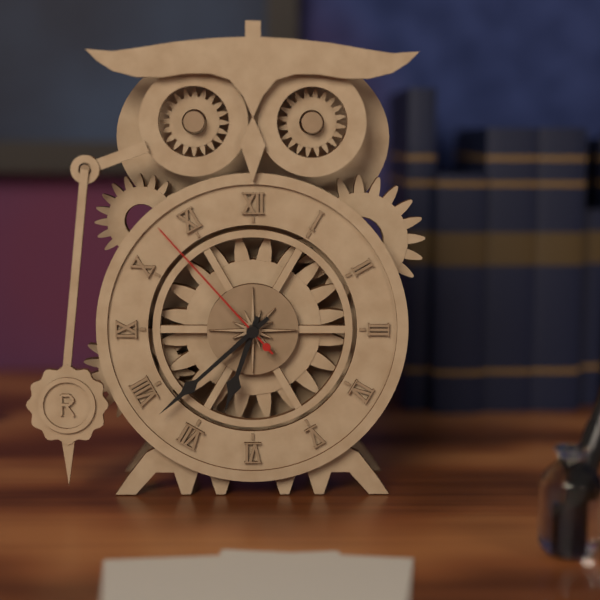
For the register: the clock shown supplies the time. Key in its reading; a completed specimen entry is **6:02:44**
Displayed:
**6:38:53**
